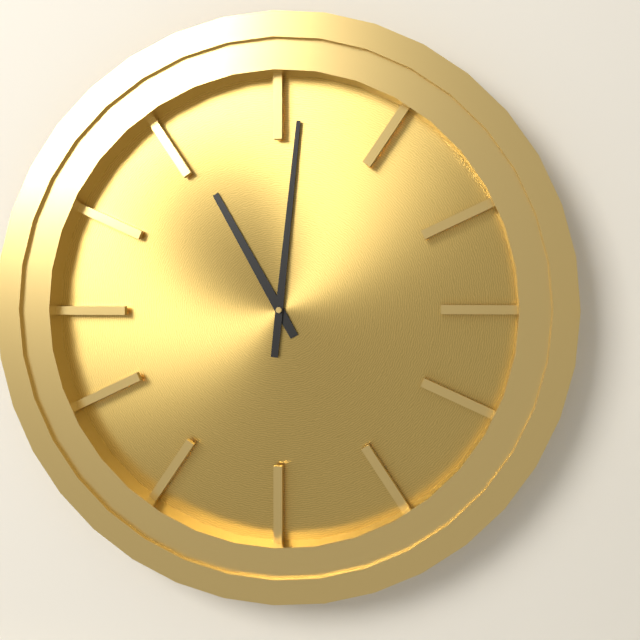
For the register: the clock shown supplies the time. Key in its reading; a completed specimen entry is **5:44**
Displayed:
**11:01**
